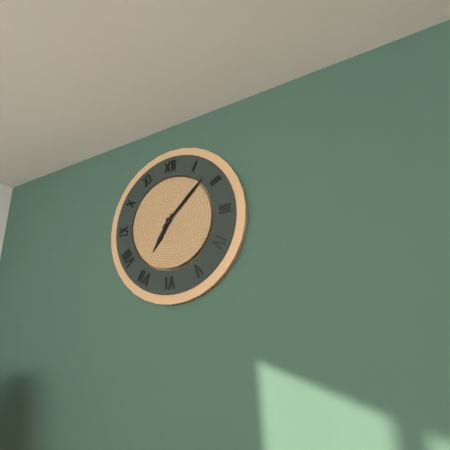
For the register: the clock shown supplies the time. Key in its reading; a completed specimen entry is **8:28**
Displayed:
**7:08**
